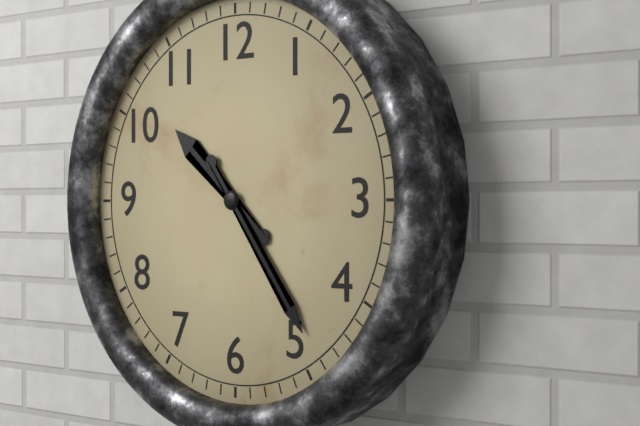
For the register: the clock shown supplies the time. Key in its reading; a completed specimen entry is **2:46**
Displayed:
**10:24**
